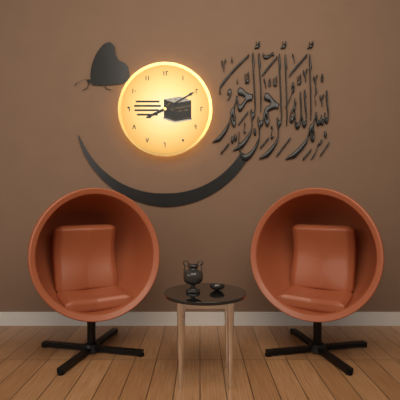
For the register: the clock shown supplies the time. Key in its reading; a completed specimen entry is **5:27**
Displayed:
**8:10**
